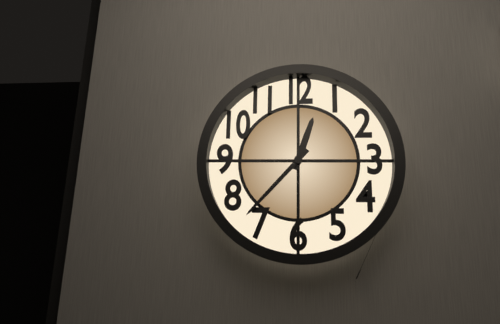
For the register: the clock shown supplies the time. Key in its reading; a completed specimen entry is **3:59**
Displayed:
**12:37**
